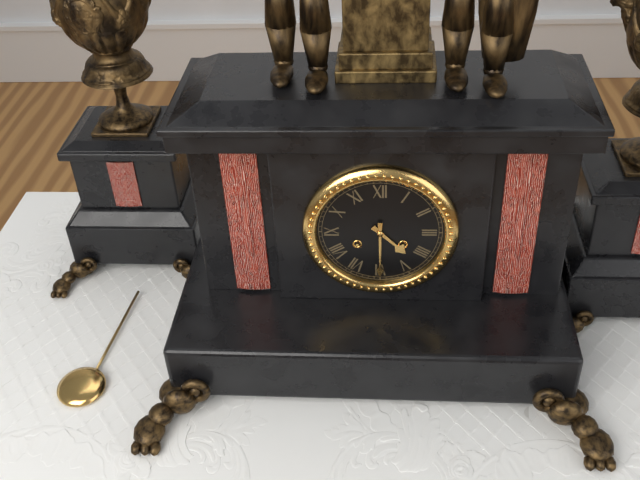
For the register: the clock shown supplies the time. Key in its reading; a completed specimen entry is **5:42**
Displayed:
**4:30**
